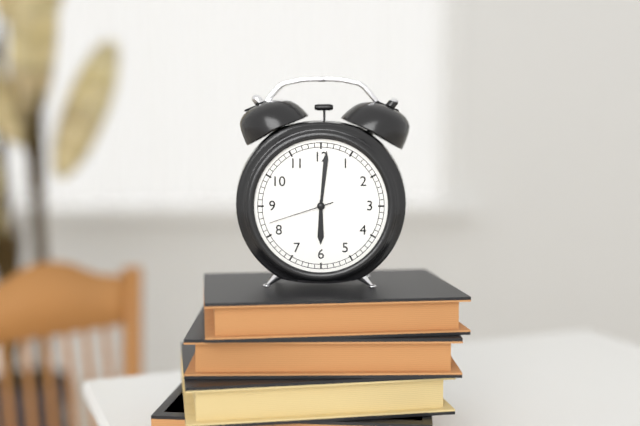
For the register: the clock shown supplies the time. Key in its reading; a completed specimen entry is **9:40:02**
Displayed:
**6:01:42**
